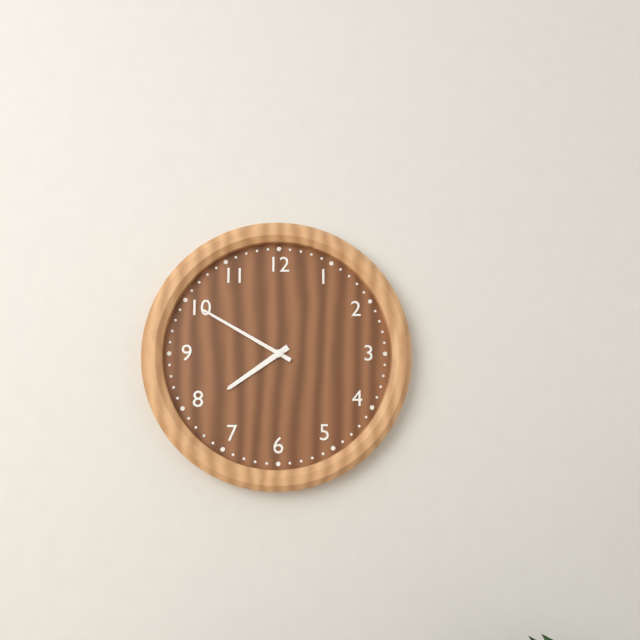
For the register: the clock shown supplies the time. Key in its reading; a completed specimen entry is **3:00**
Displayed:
**7:50**
